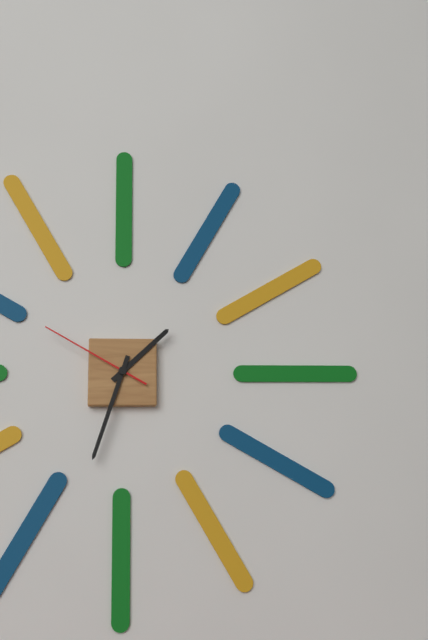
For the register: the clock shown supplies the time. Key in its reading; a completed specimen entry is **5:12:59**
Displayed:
**1:33:50**
